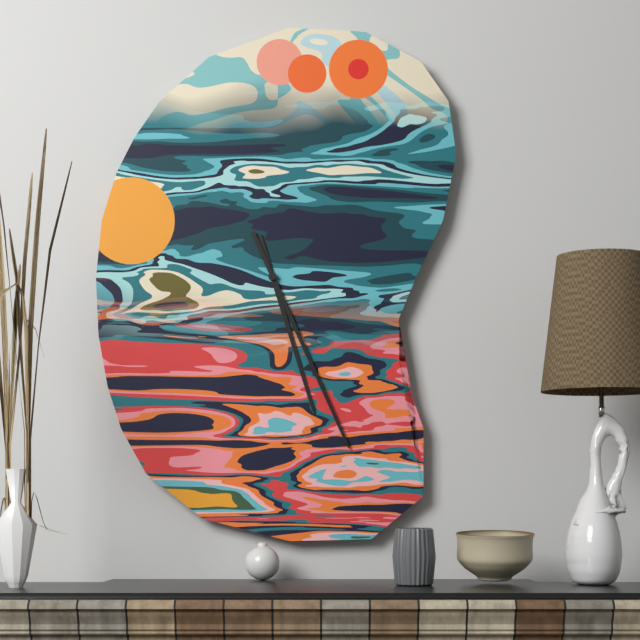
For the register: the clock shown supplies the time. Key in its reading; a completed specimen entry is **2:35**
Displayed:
**5:26**
